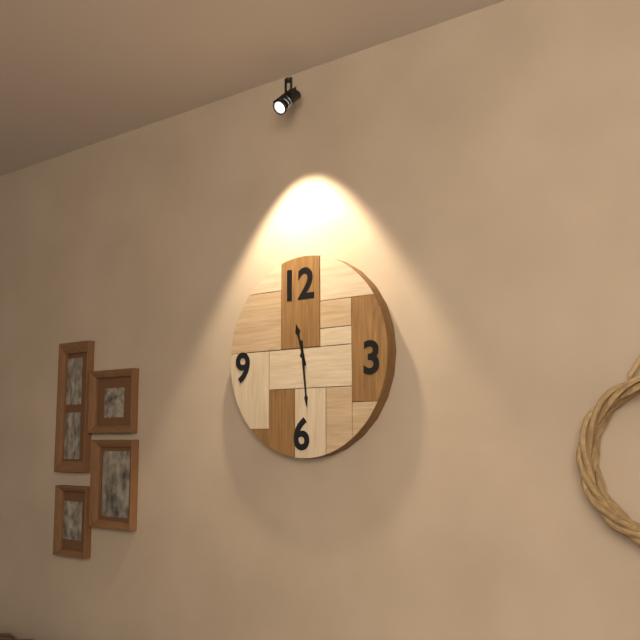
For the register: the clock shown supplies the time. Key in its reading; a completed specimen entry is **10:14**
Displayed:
**11:29**
